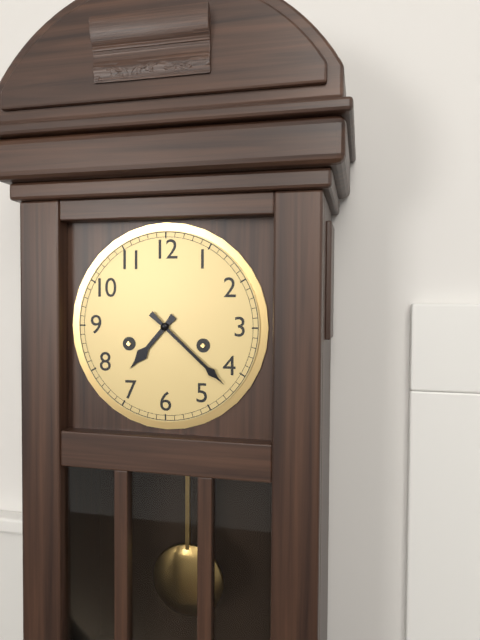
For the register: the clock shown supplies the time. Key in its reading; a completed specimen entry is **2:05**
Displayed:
**7:22**
